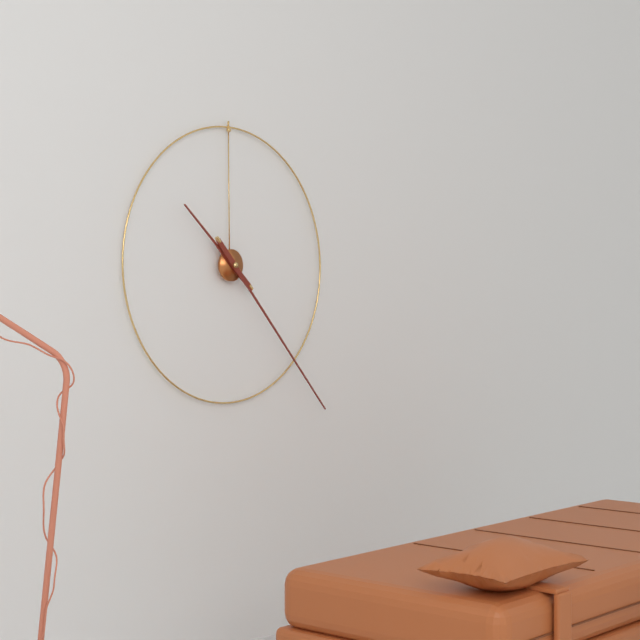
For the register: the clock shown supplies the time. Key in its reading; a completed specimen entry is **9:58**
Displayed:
**10:23**
